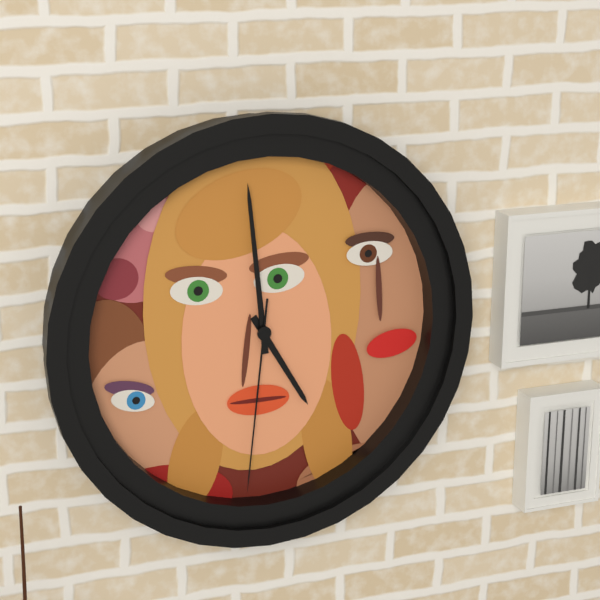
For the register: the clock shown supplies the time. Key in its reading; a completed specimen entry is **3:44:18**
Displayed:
**4:59:31**
